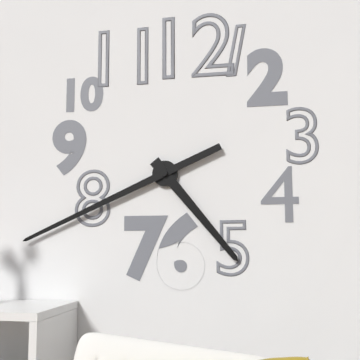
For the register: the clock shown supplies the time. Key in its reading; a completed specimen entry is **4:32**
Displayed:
**4:41**
